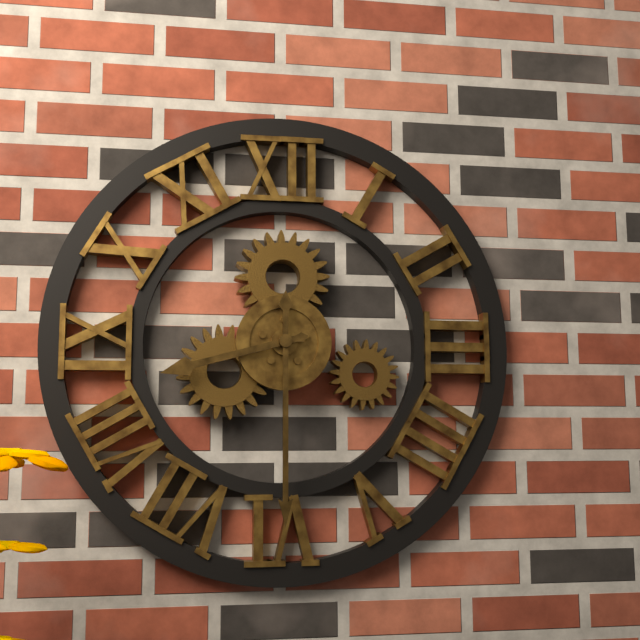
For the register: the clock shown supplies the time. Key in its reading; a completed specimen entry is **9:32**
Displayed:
**8:30**
